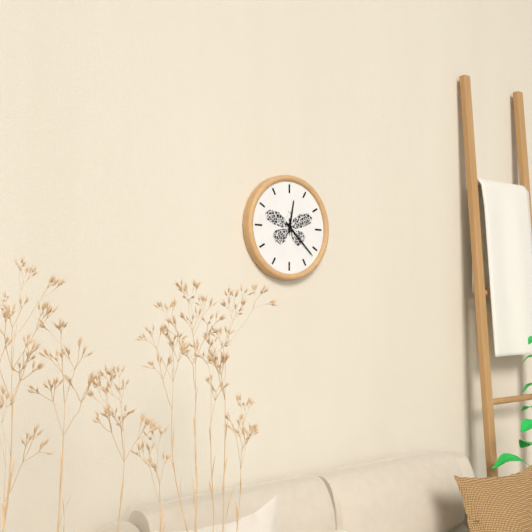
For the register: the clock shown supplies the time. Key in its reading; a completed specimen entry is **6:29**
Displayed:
**12:22**
